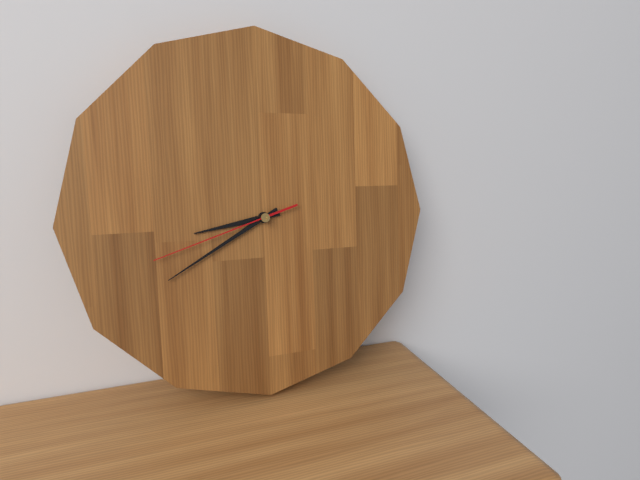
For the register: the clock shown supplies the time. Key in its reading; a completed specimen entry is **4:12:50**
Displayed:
**8:40:42**
